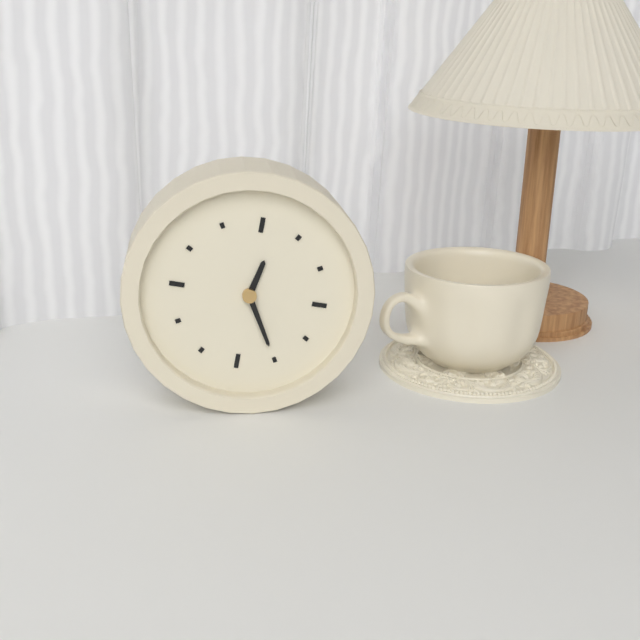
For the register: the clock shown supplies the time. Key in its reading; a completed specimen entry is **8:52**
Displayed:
**12:25**
